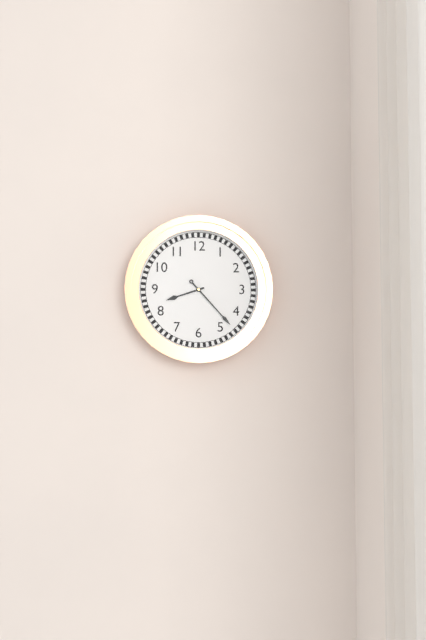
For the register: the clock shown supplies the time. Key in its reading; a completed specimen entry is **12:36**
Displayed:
**8:23**
